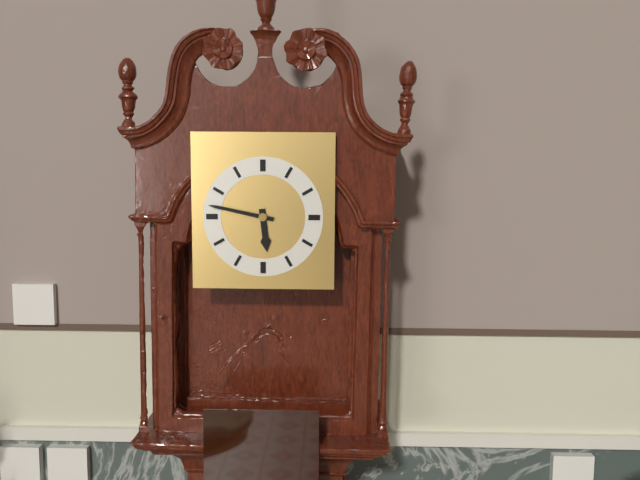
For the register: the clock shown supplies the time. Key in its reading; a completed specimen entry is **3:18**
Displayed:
**5:47**
